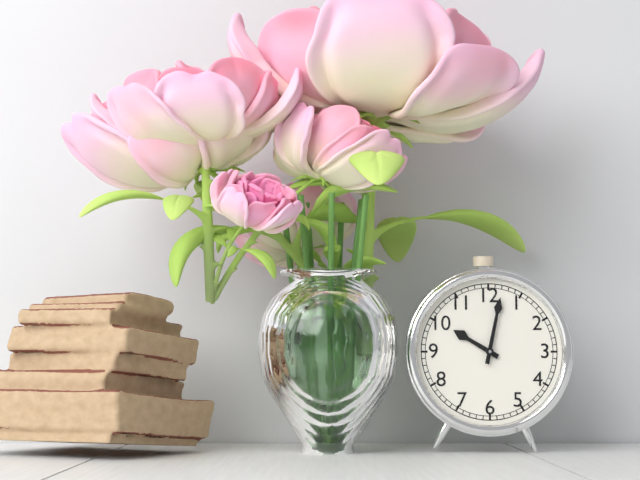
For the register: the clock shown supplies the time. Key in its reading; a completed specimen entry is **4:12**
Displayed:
**10:02**
